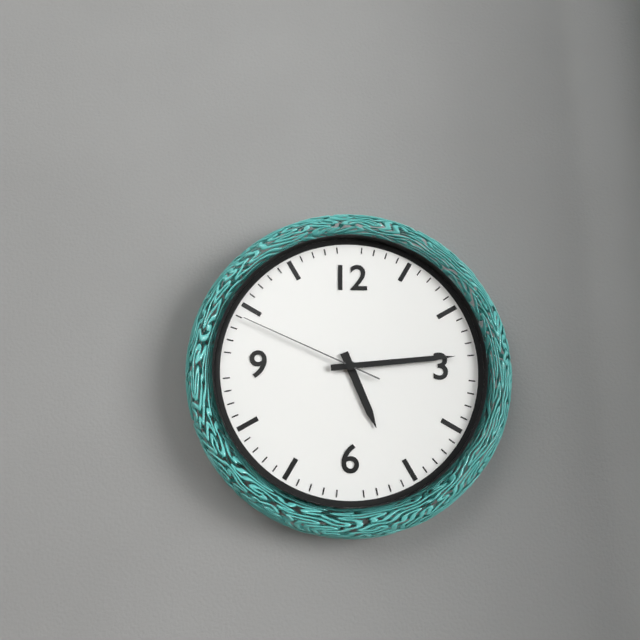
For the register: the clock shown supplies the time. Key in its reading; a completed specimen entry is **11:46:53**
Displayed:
**5:14:49**
